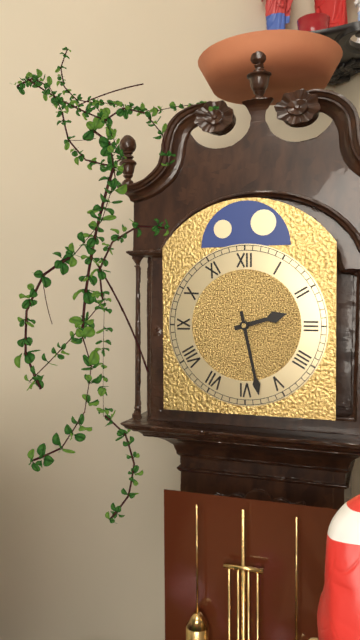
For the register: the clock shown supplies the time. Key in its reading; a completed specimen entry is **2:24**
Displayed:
**2:28**
